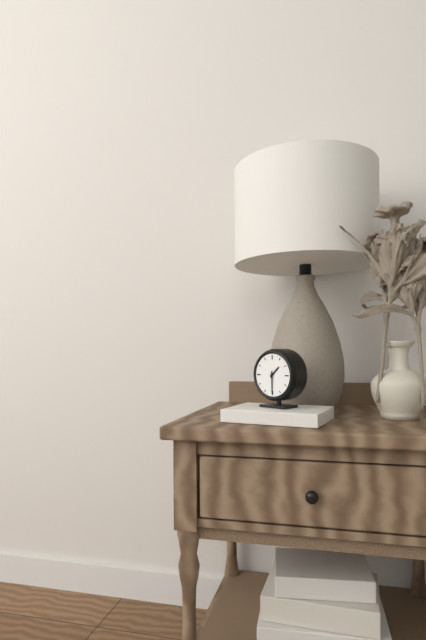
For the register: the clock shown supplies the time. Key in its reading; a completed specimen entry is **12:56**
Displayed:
**1:30**
